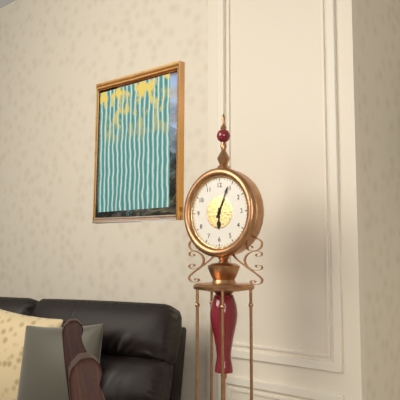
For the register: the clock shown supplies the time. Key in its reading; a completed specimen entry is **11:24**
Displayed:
**6:04**
